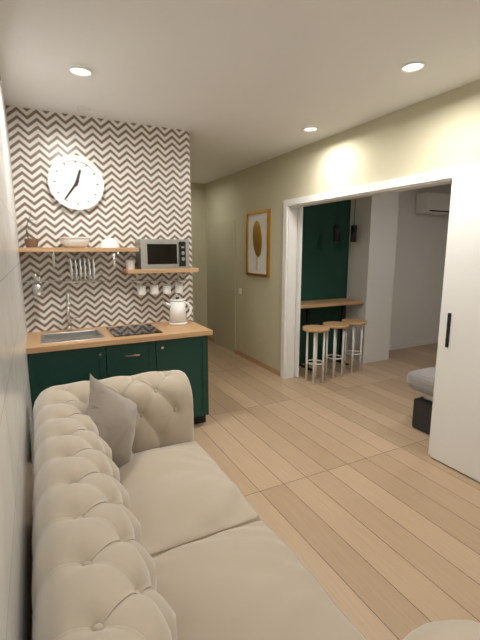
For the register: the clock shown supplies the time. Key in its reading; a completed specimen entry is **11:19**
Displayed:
**12:36**
